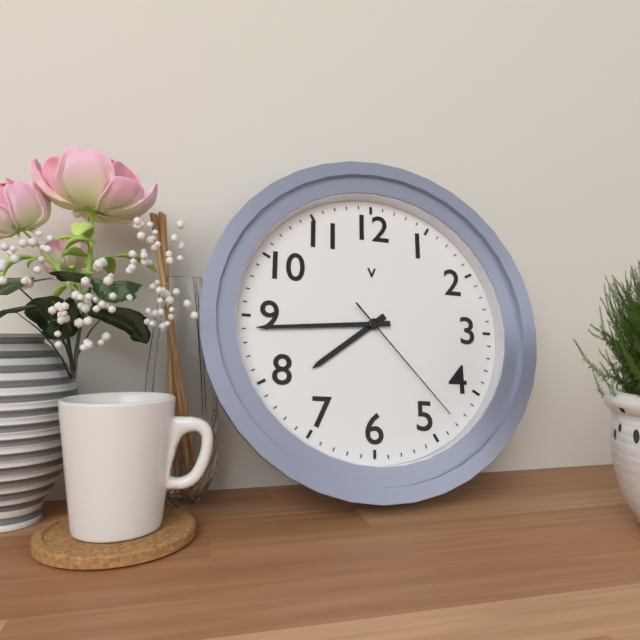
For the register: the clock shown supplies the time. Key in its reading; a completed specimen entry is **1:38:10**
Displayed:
**7:44:23**
